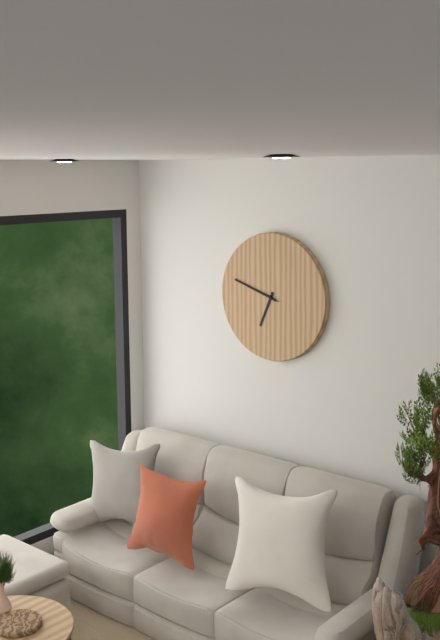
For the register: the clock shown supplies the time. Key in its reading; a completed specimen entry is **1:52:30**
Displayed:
**6:48:48**
